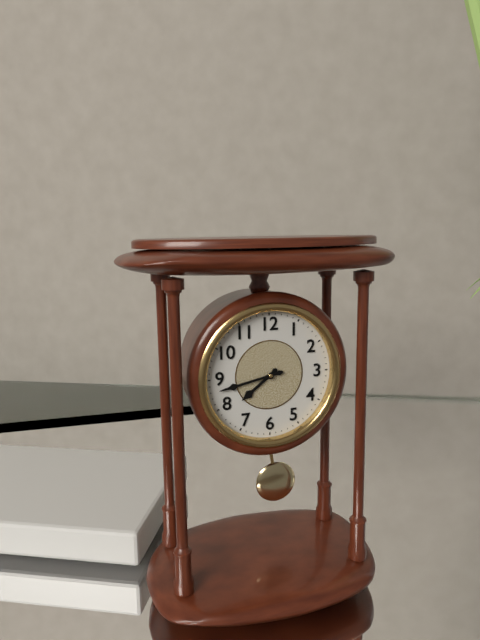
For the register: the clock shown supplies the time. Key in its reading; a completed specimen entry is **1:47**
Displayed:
**7:43**
